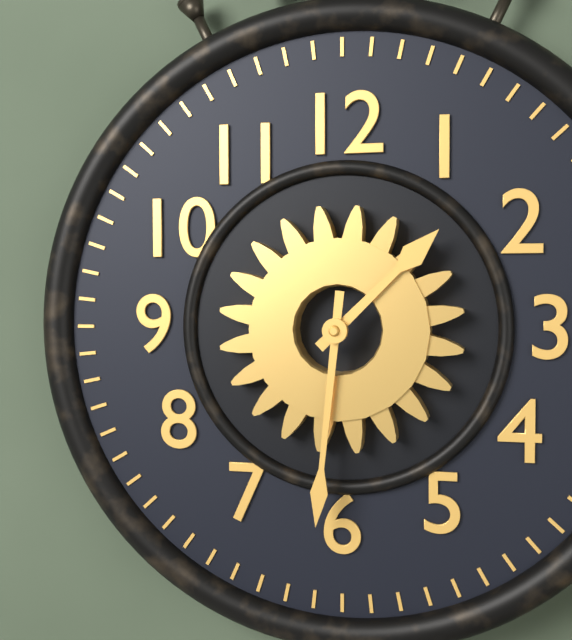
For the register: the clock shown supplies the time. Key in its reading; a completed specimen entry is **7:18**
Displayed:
**1:31**
